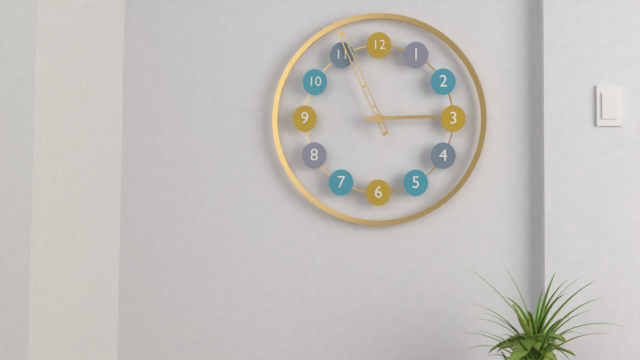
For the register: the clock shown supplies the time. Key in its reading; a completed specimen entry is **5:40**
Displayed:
**2:56**
